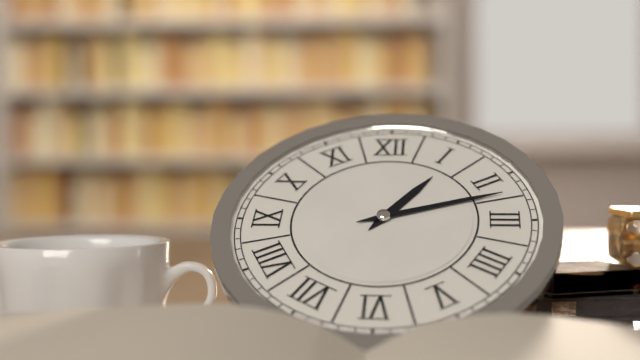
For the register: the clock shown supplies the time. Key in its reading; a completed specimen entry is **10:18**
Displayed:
**1:12**
